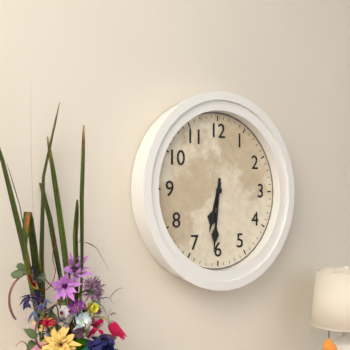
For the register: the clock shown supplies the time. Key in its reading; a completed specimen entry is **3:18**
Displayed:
**6:31**
